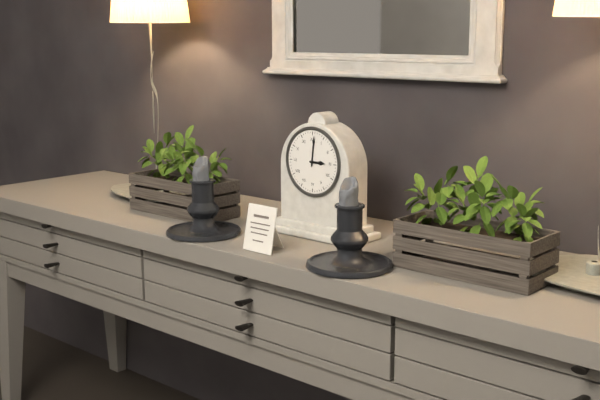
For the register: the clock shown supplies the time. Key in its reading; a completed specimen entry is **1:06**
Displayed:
**3:01**
